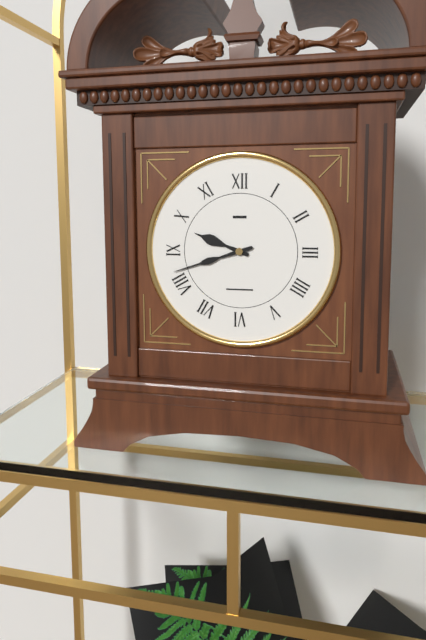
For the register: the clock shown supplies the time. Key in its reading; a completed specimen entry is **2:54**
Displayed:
**9:42**
